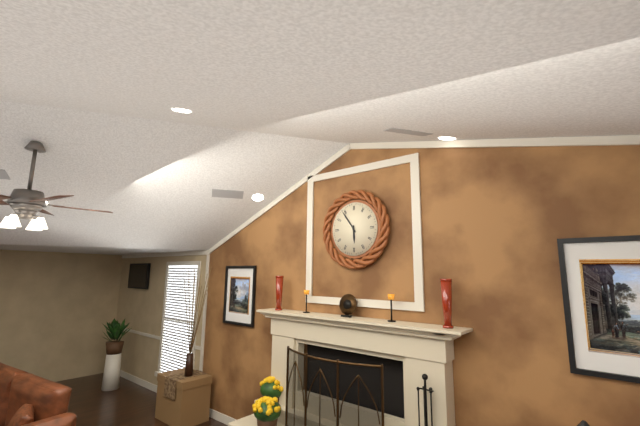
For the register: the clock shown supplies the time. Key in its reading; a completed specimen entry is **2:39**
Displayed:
**5:54**
